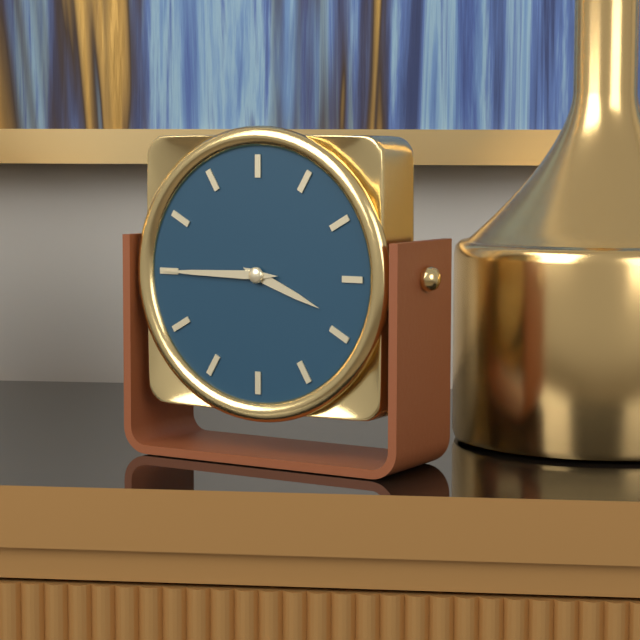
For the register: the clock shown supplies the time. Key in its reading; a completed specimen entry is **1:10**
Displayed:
**3:45**
